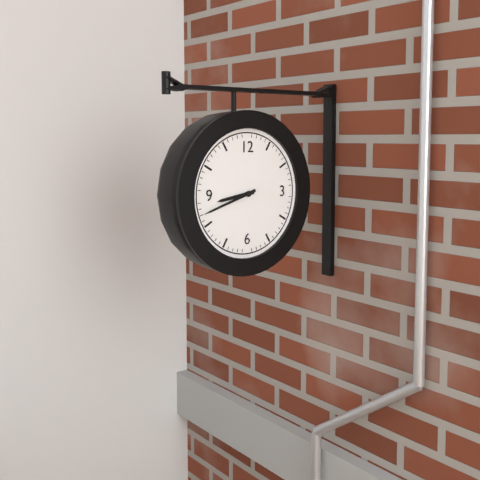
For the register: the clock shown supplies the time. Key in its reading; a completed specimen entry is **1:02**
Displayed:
**8:42**
